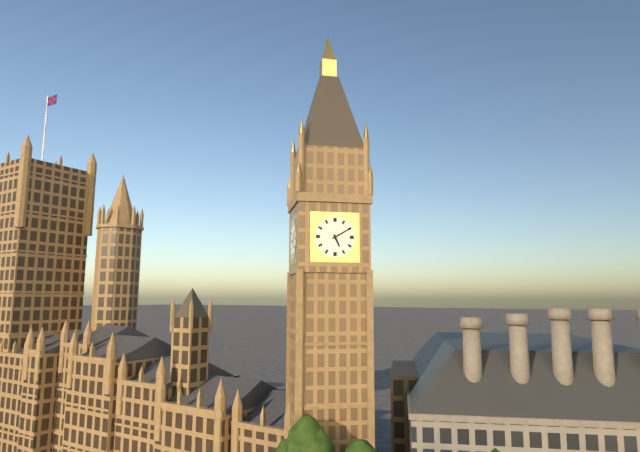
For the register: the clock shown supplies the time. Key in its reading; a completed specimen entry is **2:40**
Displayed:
**5:10**
